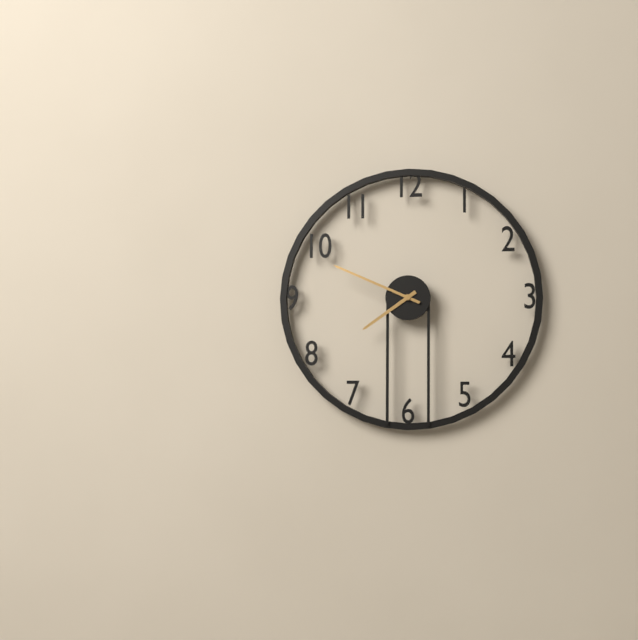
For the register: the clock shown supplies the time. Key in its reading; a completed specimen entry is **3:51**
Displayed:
**7:49**
